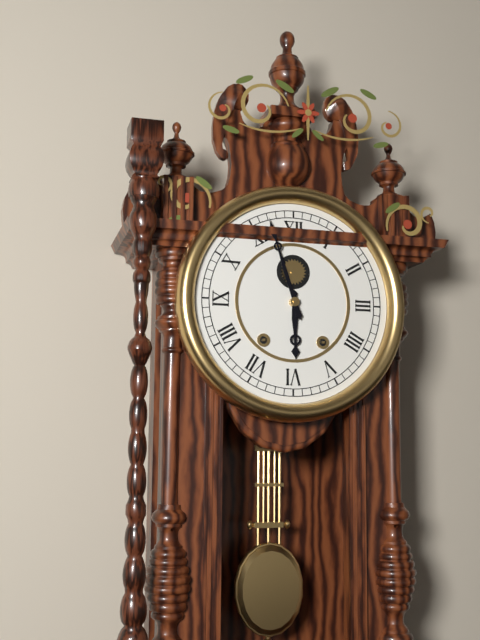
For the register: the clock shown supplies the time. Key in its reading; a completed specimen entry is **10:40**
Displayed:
**5:57**
